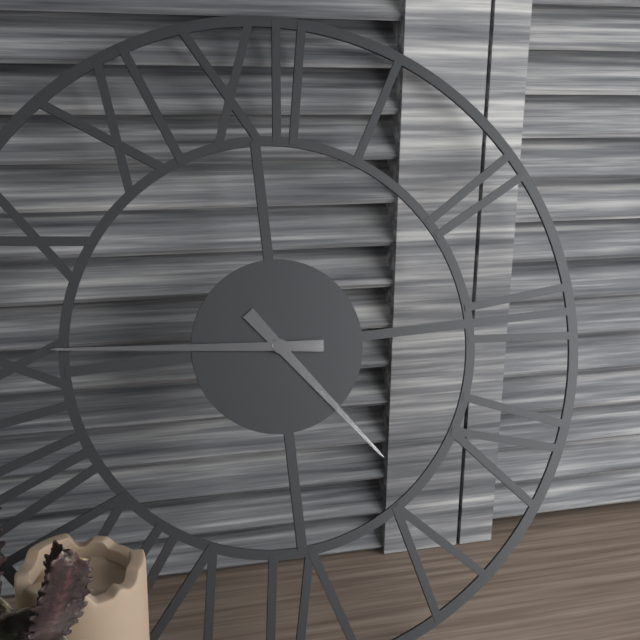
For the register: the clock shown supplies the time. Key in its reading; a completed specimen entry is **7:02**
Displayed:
**4:46**
